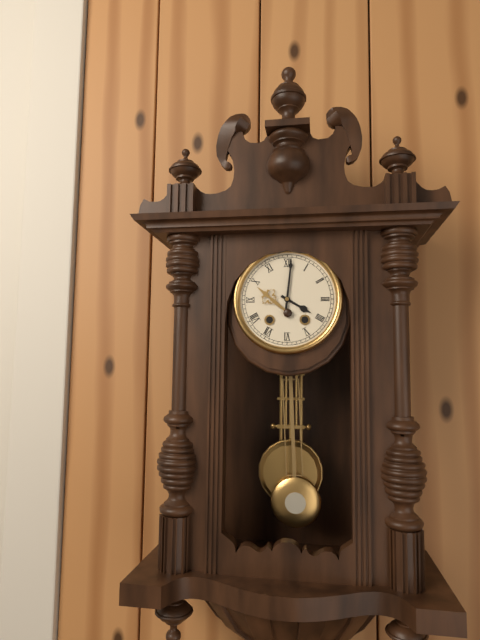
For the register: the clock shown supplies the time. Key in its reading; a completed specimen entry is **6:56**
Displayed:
**4:01**
